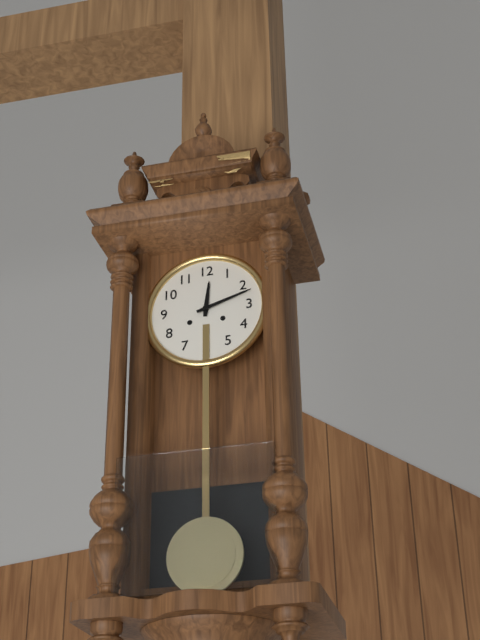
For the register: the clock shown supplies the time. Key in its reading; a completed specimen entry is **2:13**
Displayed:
**12:12**
